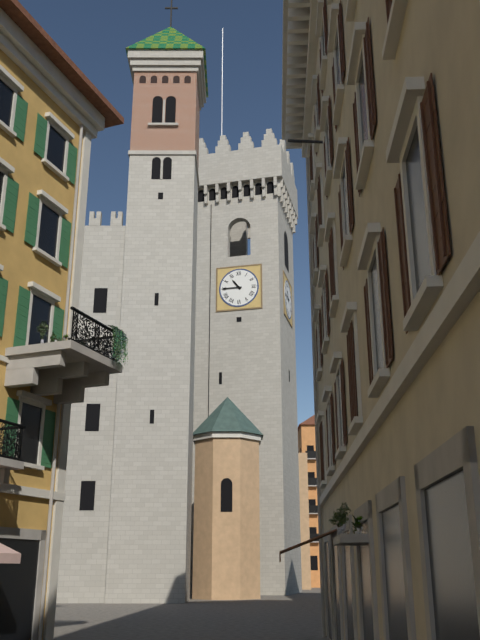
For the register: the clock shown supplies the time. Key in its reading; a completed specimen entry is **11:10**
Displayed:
**10:45**
